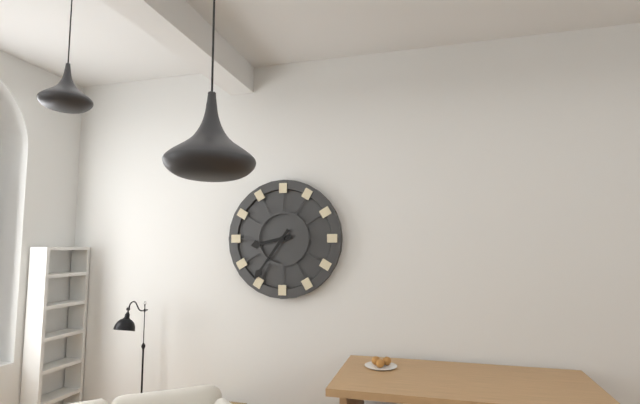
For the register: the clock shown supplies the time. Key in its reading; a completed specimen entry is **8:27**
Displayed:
**8:36**
